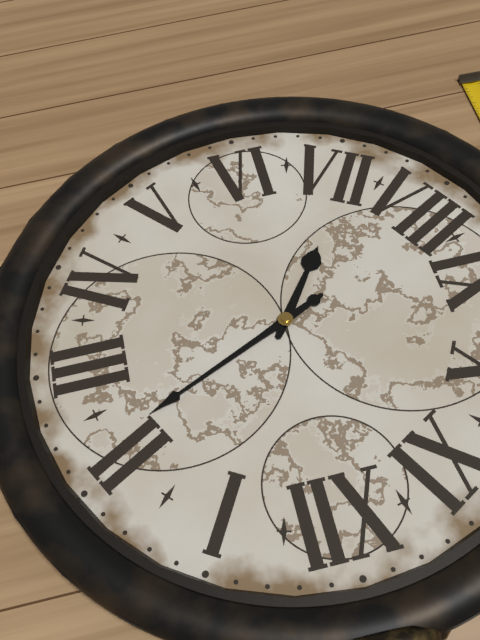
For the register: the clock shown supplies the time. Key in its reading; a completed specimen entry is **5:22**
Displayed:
**7:11**
